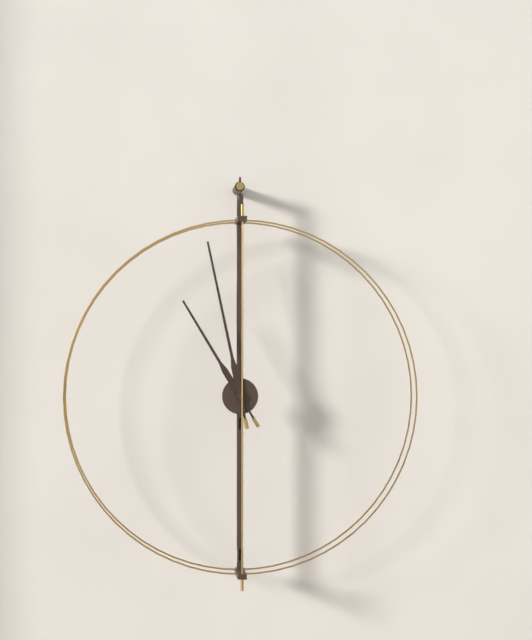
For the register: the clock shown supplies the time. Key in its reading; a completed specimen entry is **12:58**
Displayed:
**10:58**
